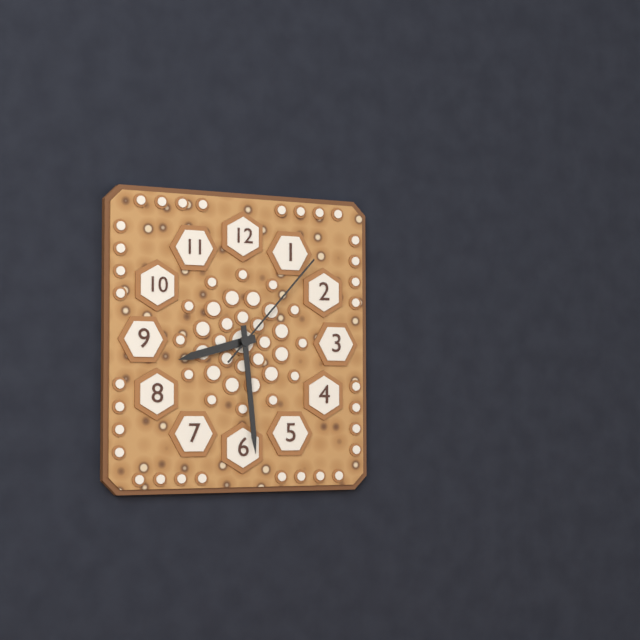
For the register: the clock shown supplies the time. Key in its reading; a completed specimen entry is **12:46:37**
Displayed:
**8:29:07**
